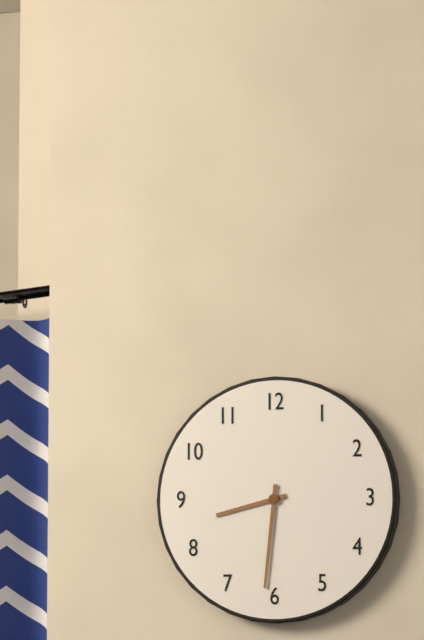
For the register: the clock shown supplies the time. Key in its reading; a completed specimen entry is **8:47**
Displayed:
**8:31**
